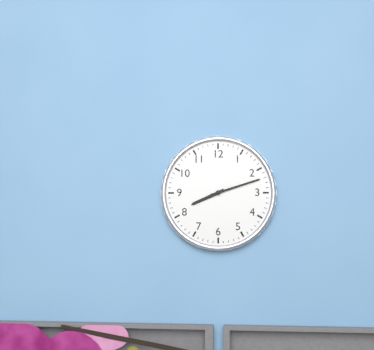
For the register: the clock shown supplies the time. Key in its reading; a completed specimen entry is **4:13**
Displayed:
**8:12**
